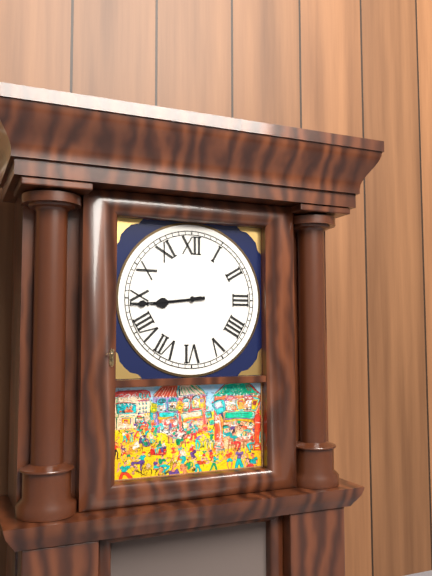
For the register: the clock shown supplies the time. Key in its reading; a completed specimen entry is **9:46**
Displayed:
**8:44**
